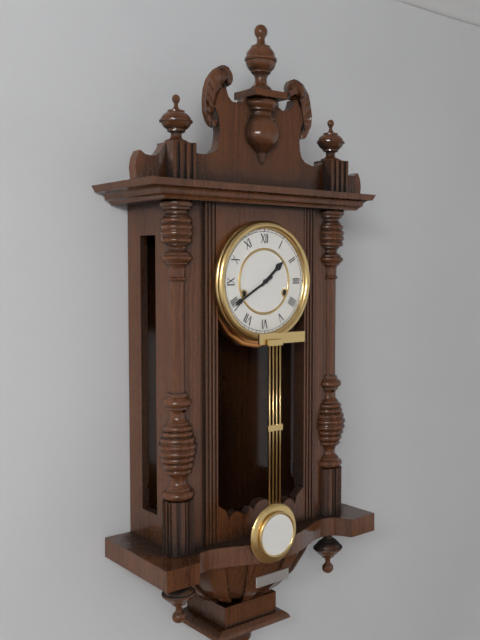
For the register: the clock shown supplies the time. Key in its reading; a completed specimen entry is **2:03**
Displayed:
**1:40**
